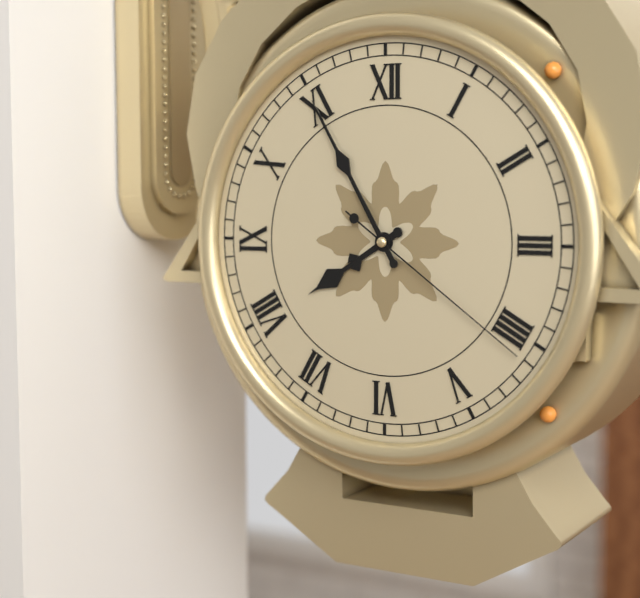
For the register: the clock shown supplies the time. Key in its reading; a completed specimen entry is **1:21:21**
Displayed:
**7:55:21**
